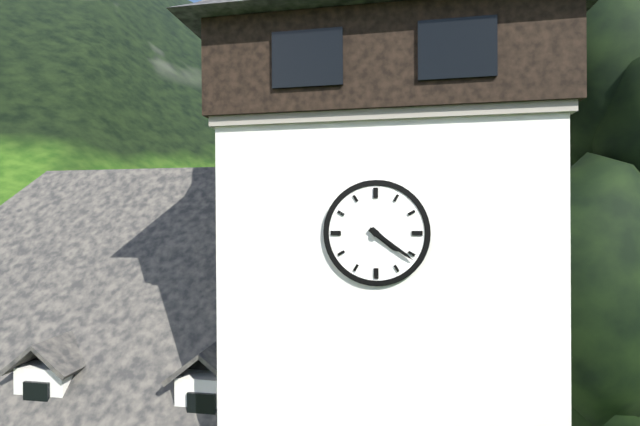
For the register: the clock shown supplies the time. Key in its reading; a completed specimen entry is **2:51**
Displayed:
**4:21**
